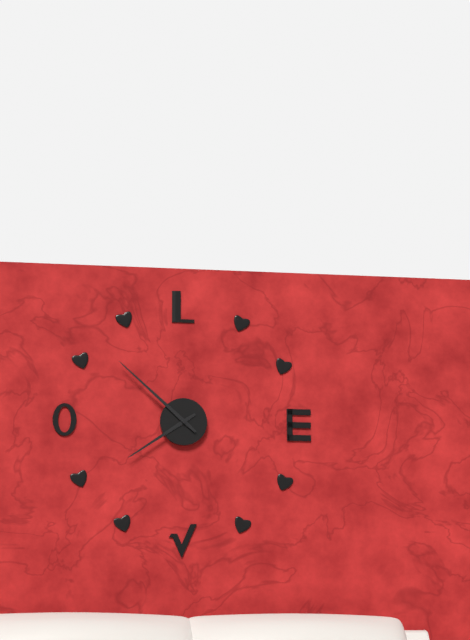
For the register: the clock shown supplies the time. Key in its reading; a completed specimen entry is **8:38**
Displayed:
**7:52**
